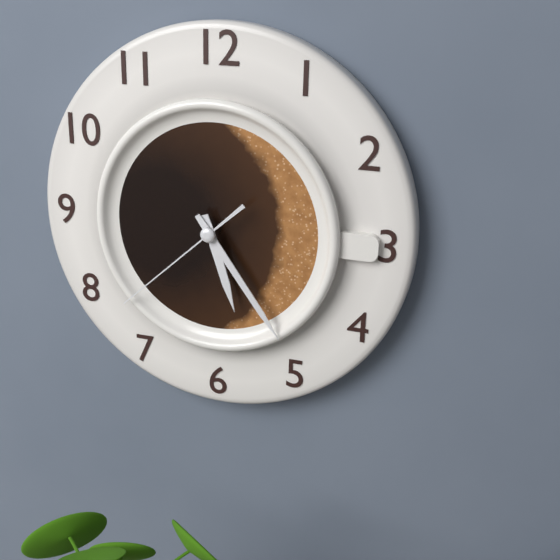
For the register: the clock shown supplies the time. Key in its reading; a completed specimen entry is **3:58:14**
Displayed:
**5:24:38**
